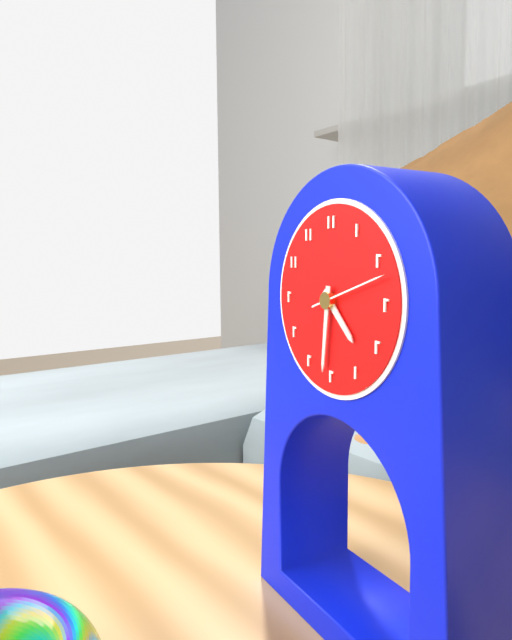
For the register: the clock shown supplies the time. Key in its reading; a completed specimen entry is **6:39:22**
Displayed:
**4:31:12**
